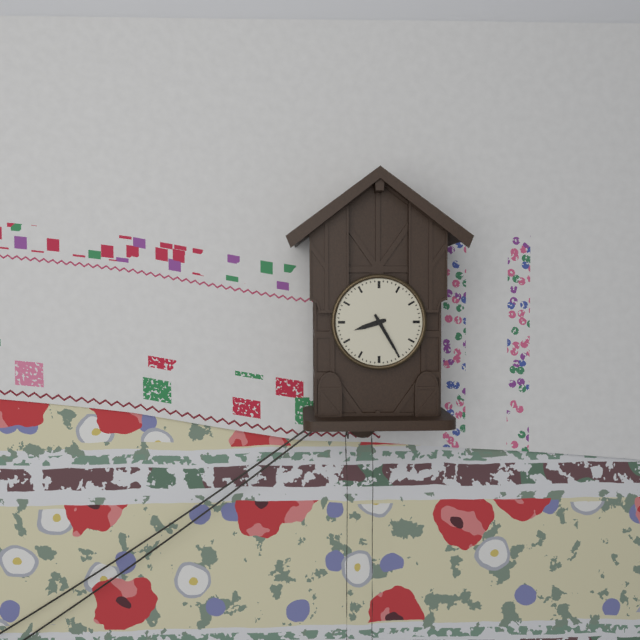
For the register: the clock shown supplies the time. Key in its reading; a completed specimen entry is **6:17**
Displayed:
**8:25**
